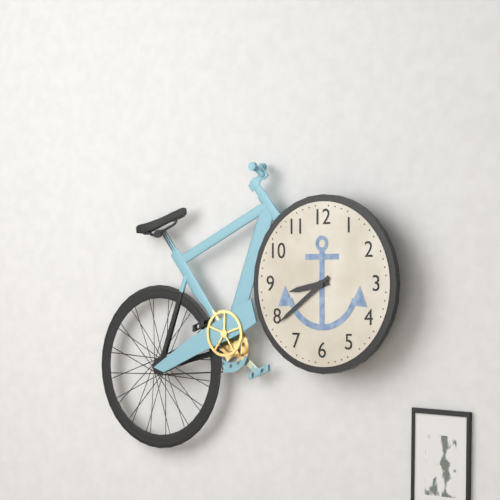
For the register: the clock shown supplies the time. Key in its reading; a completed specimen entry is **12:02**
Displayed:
**8:39**
